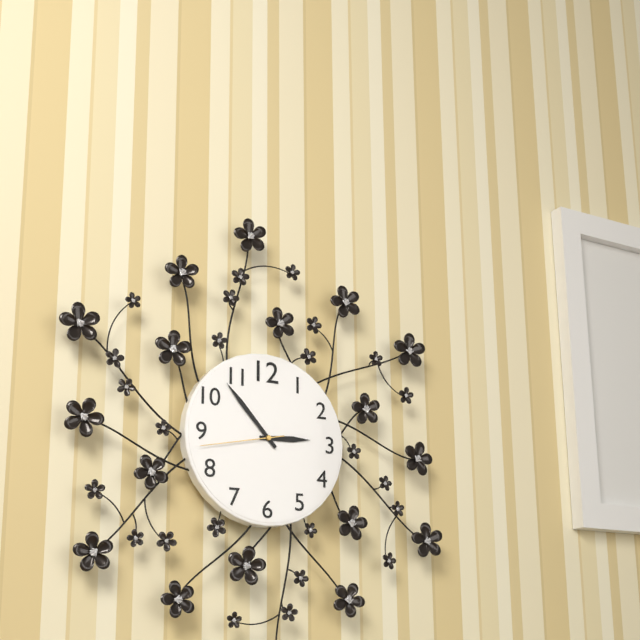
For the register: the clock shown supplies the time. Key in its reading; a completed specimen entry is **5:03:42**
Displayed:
**2:53:43**
